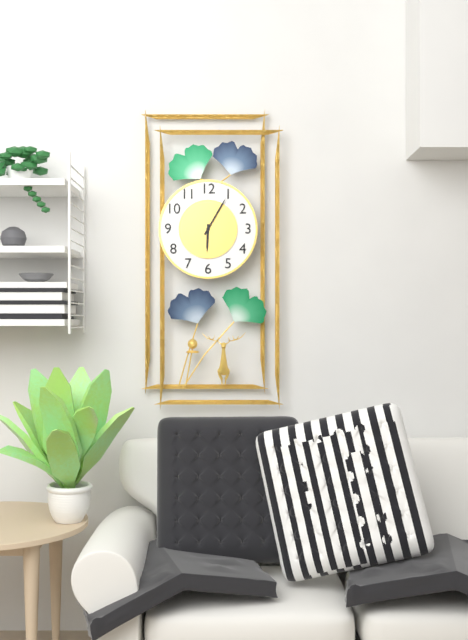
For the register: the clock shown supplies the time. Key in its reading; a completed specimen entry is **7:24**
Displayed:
**6:05**
